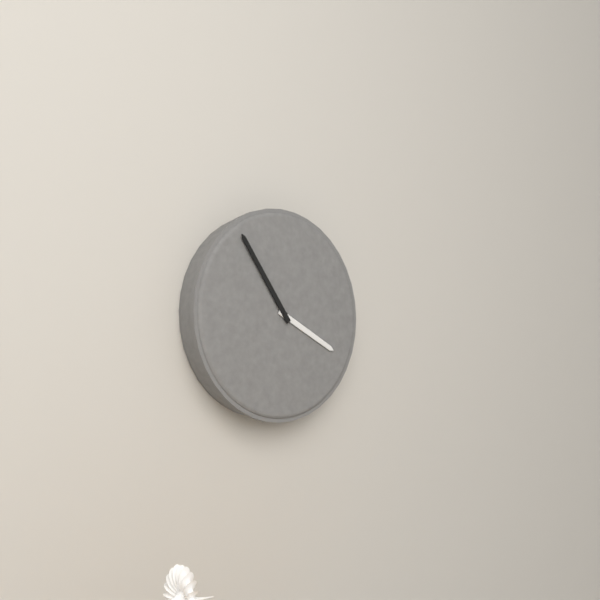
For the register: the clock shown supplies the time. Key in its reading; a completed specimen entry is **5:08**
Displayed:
**3:54**
